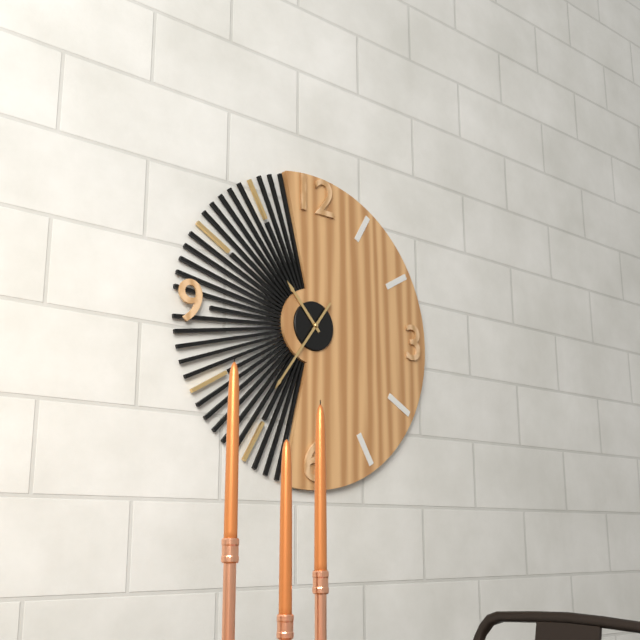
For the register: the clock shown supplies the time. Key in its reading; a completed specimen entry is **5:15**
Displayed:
**10:36**
